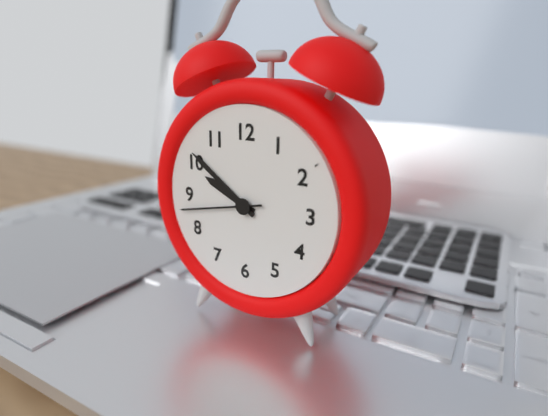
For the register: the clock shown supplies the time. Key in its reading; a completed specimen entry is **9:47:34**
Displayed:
**9:51:43**
